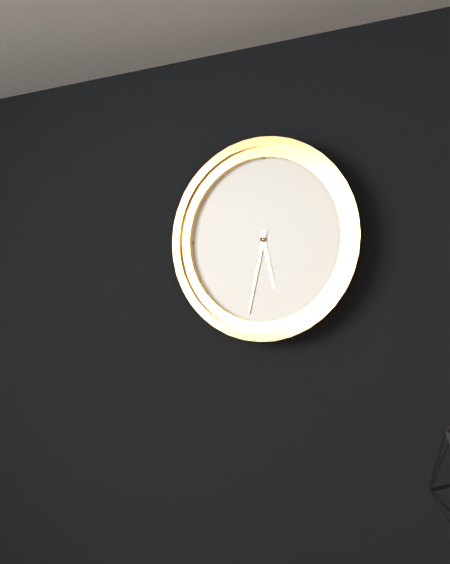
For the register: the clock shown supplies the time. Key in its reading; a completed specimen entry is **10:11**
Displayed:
**5:32**
